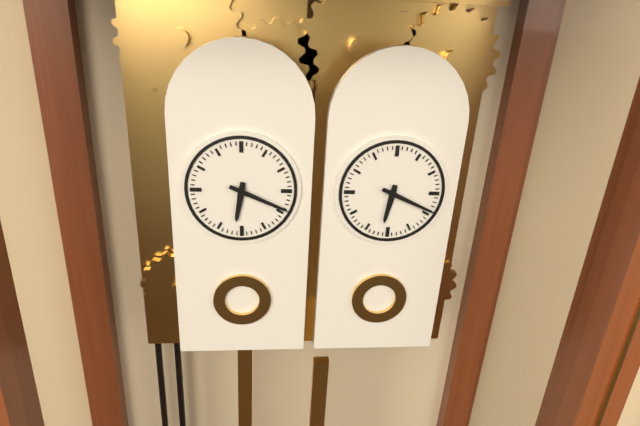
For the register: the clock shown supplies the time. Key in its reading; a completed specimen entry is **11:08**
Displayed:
**6:19**
